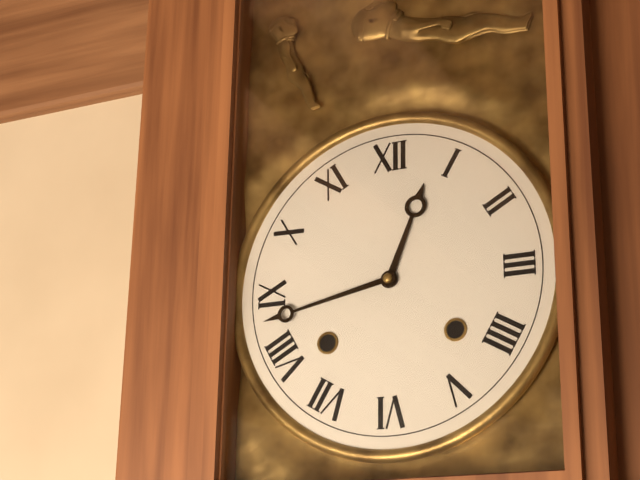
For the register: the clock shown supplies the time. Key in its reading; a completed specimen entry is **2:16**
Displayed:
**12:43**
